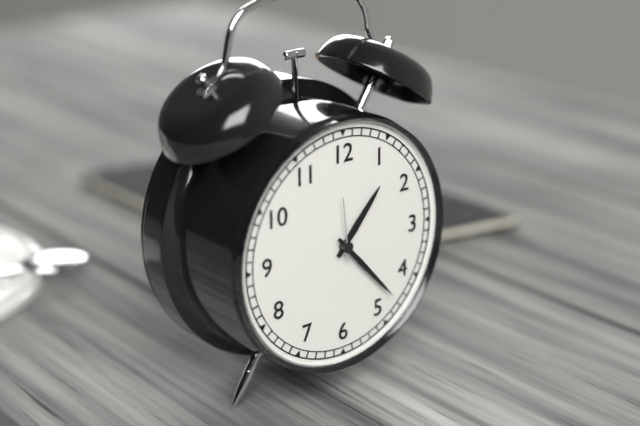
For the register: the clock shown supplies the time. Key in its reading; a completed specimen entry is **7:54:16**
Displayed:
**1:23:59**
